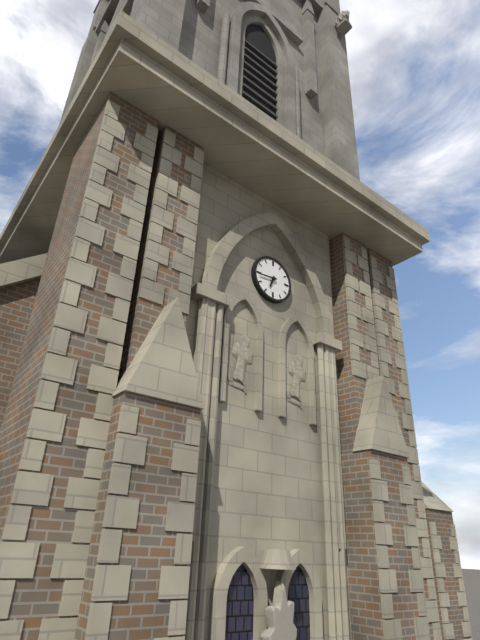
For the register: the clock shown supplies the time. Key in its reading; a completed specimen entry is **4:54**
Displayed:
**6:44**
